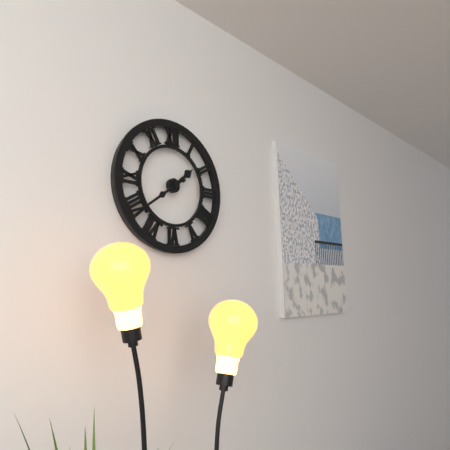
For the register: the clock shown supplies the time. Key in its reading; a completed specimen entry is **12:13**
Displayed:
**1:39**
